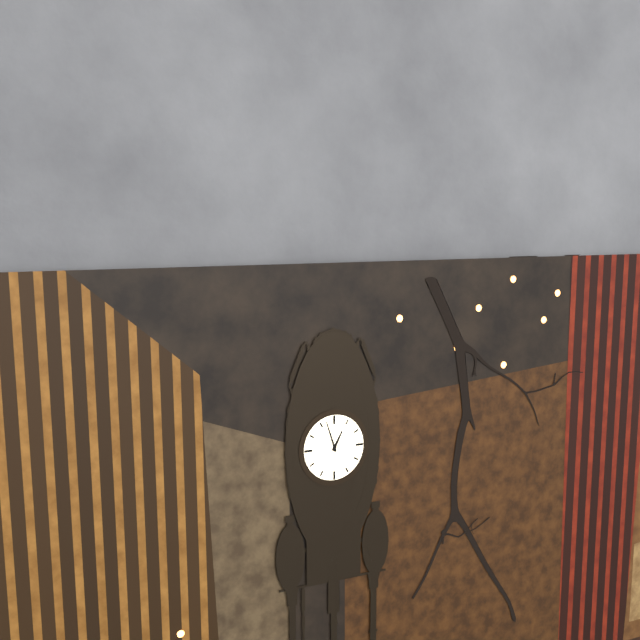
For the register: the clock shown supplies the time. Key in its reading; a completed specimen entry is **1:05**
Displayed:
**12:57**
